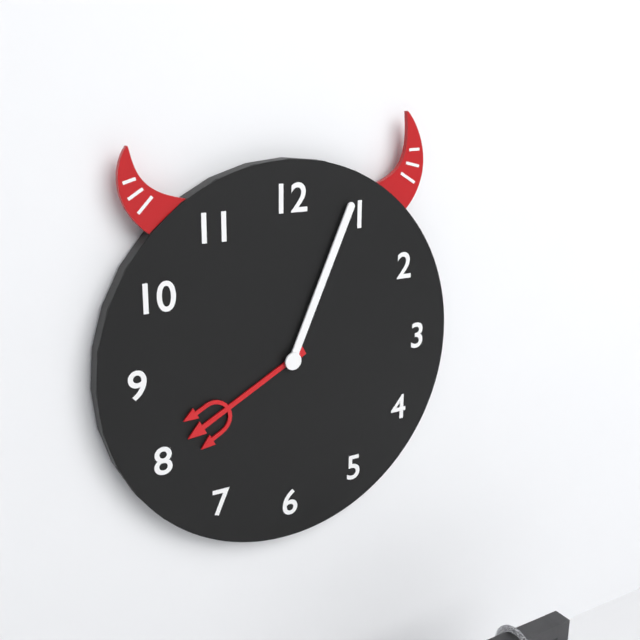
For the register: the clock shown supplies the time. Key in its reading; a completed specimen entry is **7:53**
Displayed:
**8:04**
